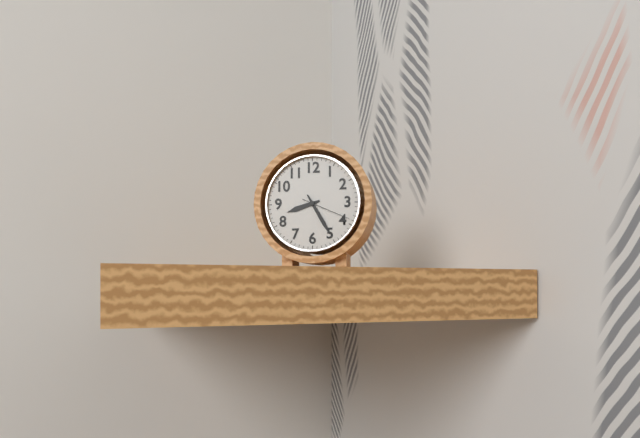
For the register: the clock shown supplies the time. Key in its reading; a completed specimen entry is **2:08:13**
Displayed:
**8:25:19**
